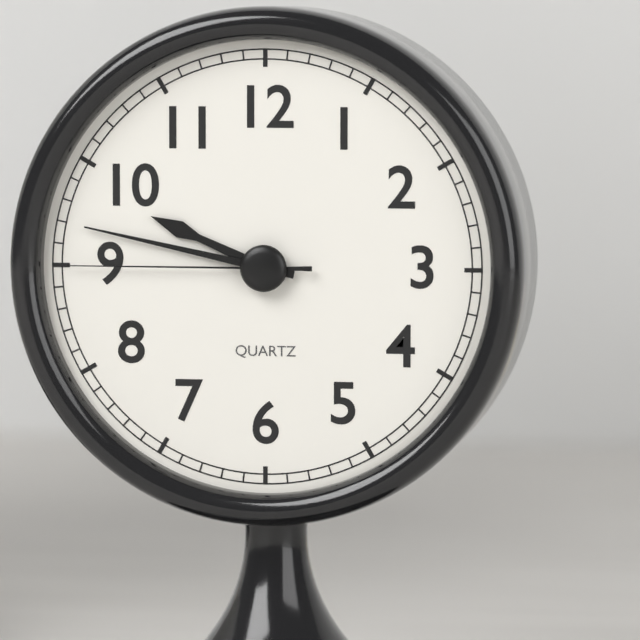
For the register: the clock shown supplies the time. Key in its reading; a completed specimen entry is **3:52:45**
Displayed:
**9:47:45**
